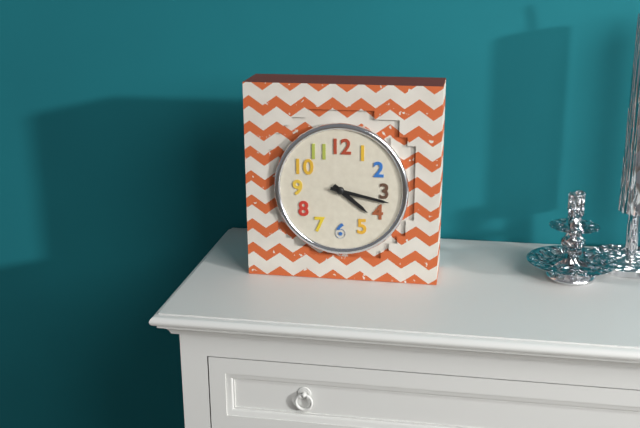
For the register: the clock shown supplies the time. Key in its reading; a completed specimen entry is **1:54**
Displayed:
**4:17**
